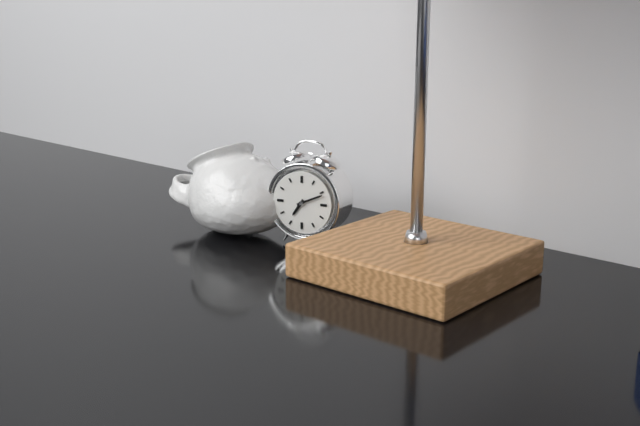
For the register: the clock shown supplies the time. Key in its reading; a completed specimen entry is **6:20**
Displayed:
**7:11**
